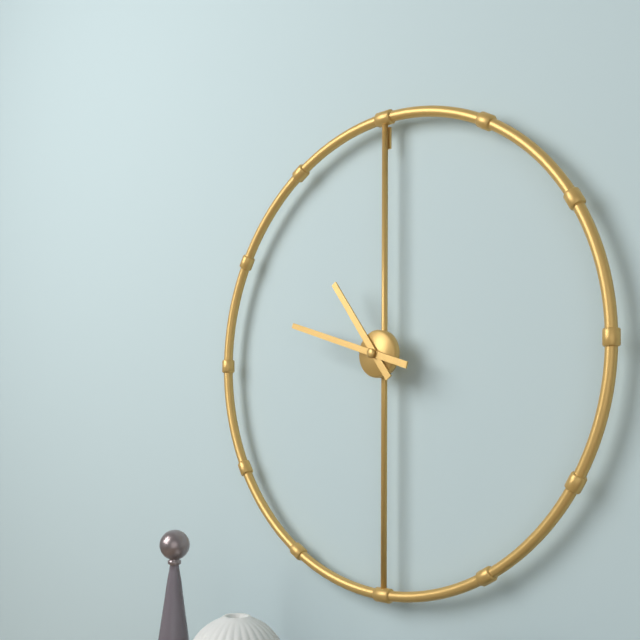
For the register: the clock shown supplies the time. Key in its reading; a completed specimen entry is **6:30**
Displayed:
**10:48**
